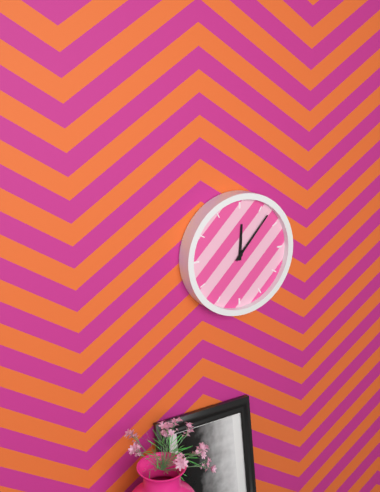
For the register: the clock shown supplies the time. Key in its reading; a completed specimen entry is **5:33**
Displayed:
**12:07**
